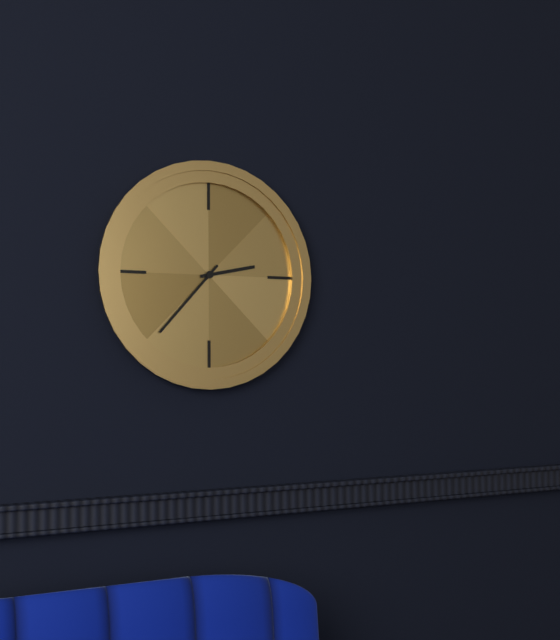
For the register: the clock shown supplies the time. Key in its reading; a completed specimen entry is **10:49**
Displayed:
**2:37**
